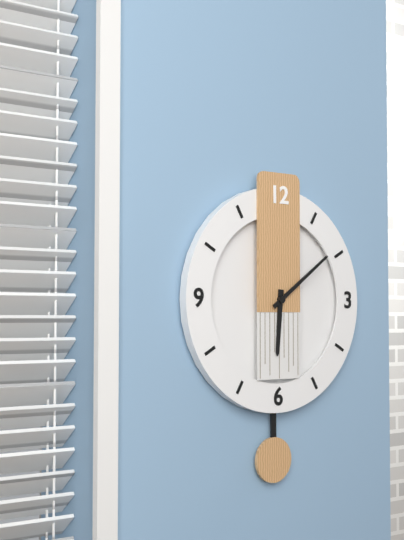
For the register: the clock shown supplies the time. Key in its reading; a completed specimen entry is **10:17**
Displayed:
**6:09**
